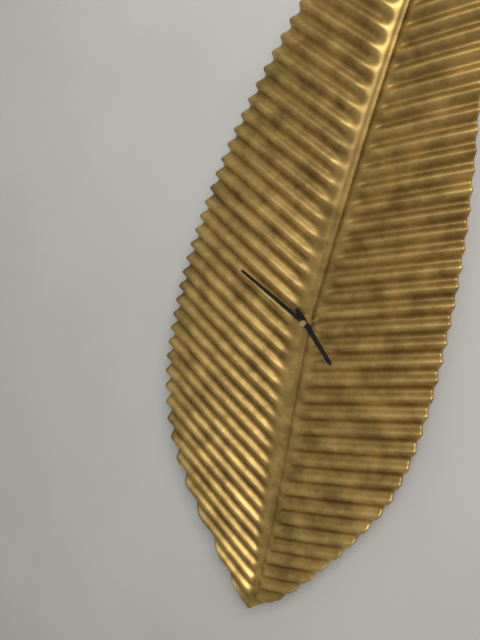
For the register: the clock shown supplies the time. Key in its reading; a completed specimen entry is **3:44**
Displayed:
**4:51**
